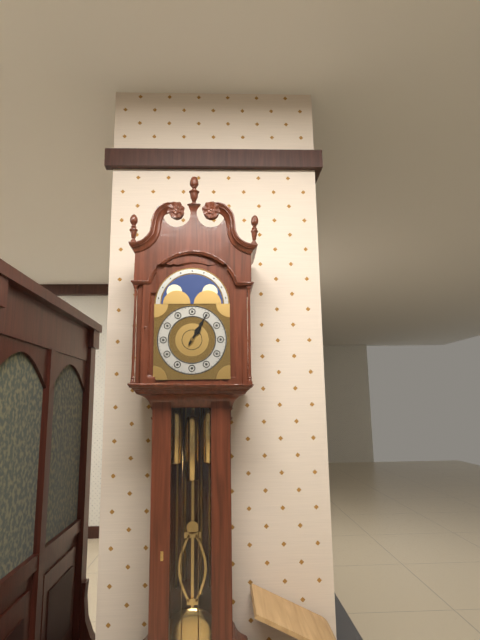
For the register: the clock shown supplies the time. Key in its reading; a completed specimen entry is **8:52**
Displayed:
**1:05**
